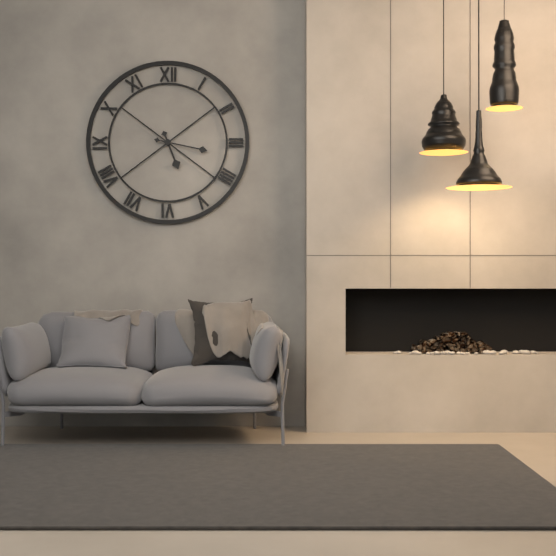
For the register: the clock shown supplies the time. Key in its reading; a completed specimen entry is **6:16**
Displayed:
**5:17**
